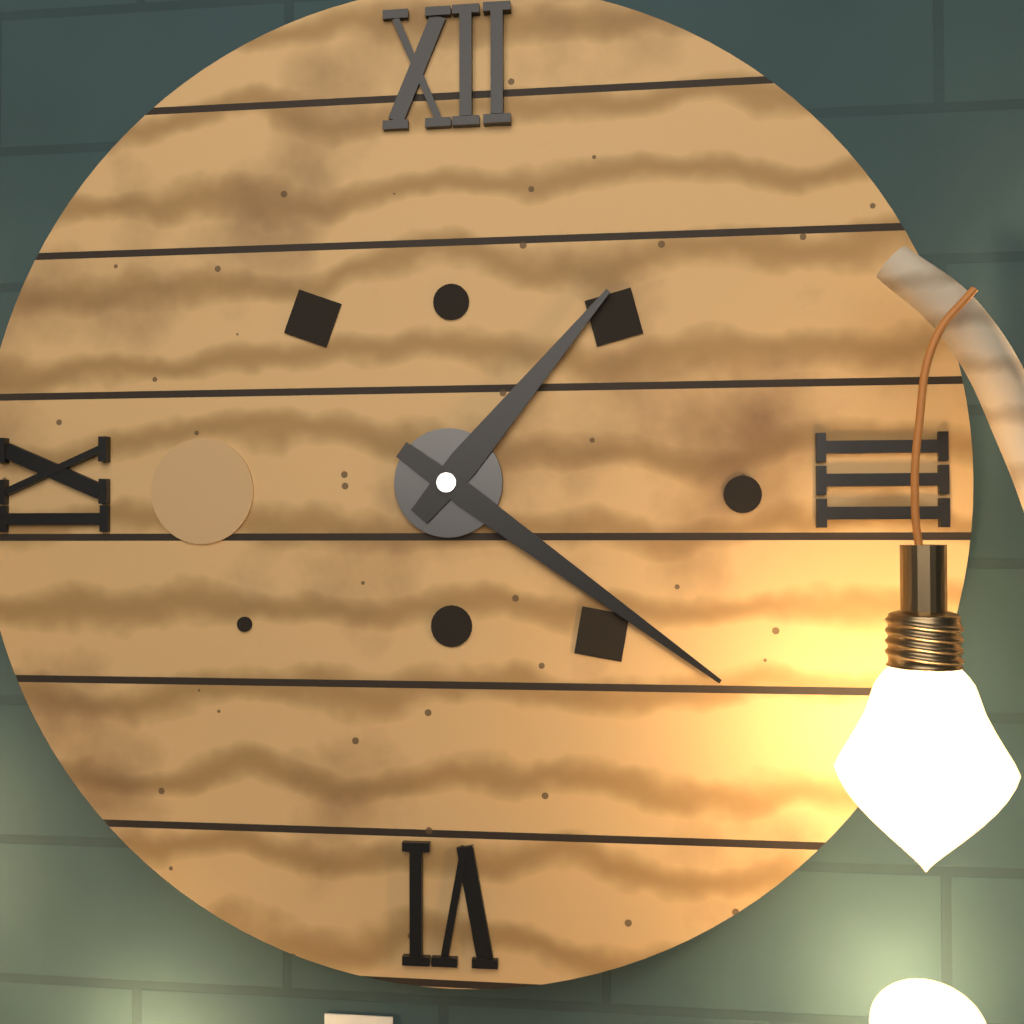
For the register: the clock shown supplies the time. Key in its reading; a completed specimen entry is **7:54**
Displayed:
**1:21**
